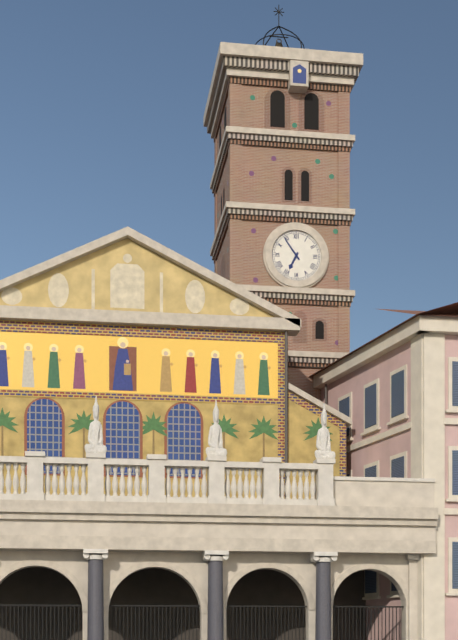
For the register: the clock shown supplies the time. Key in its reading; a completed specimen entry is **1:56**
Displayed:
**6:54**
